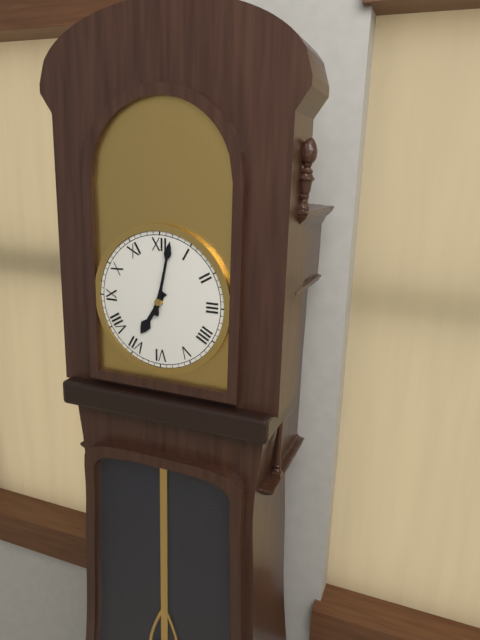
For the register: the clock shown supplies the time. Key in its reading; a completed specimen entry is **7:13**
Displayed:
**7:02**
